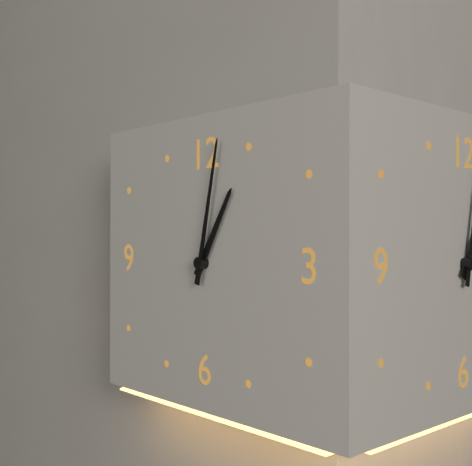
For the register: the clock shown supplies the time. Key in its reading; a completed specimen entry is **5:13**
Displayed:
**1:02**
